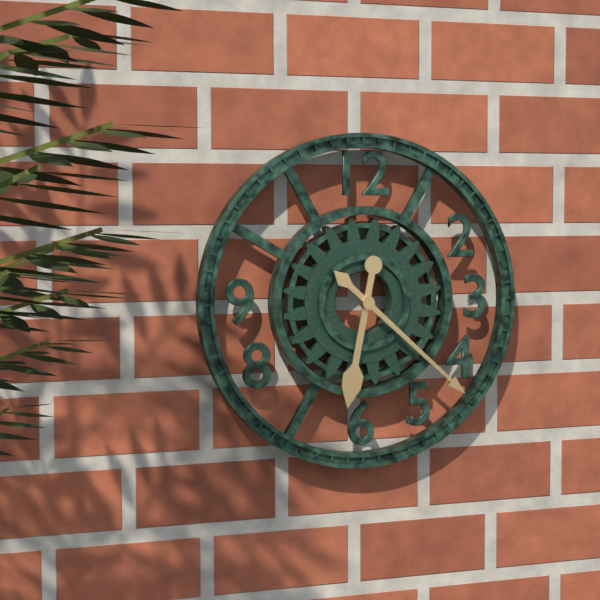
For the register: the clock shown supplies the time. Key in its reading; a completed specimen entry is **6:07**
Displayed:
**6:22**
